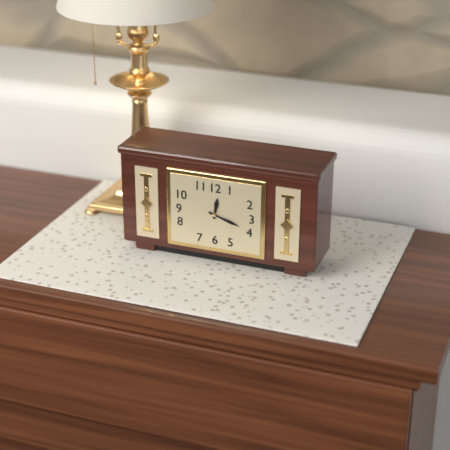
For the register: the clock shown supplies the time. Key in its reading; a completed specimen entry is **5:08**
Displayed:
**12:18**
